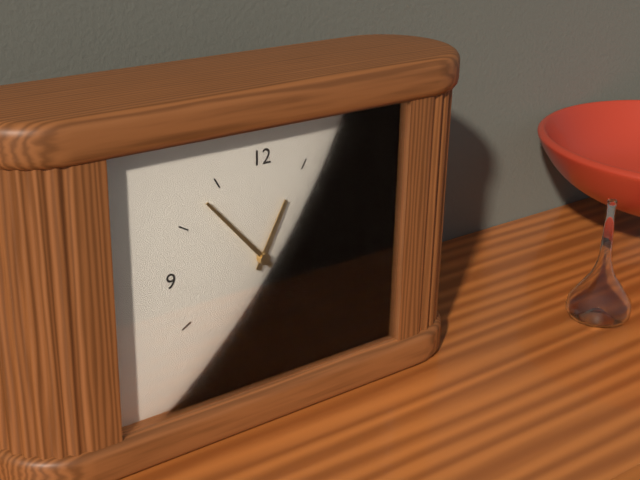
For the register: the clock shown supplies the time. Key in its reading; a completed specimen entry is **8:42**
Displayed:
**12:53**
